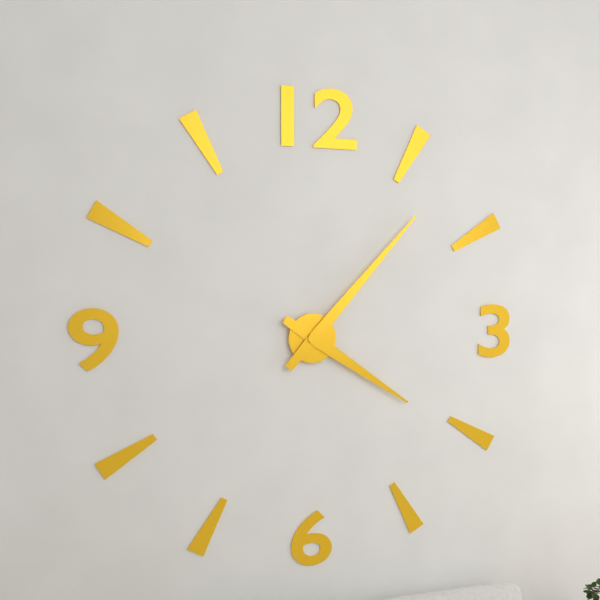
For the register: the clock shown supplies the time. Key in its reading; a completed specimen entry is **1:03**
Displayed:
**4:07**
